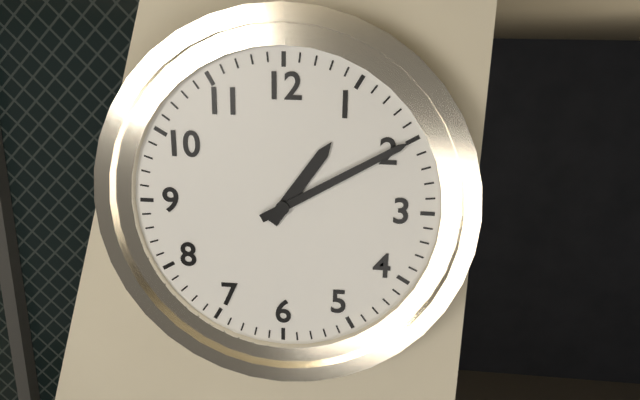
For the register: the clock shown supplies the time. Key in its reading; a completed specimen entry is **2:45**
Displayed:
**1:10**
